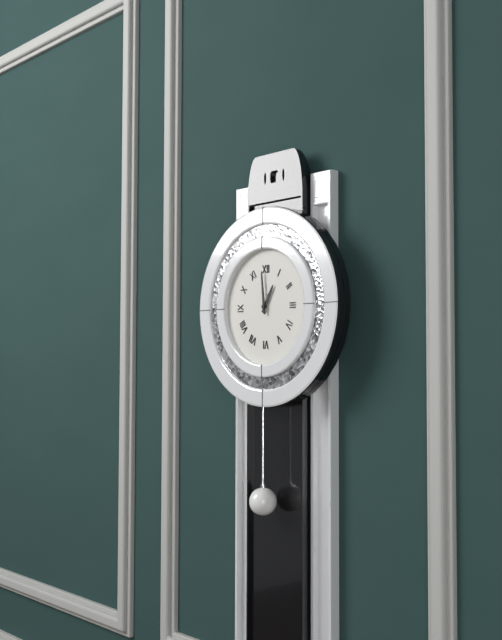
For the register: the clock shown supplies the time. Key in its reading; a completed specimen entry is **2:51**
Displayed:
**12:59**
